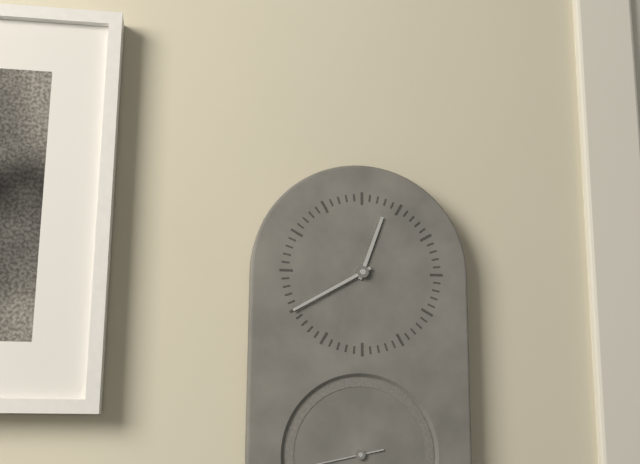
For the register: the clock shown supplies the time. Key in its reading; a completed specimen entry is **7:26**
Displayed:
**12:40**
